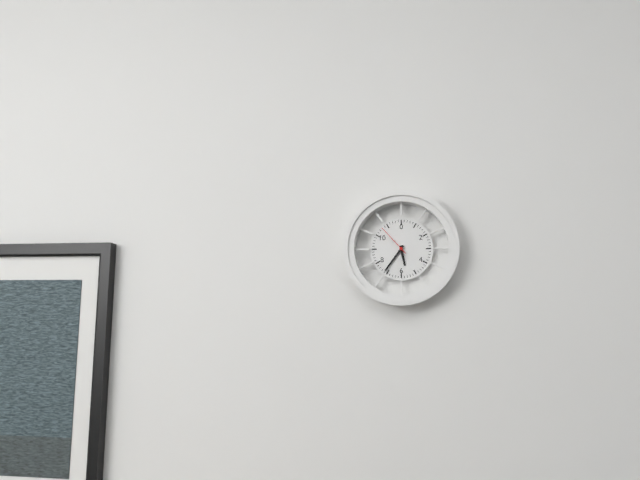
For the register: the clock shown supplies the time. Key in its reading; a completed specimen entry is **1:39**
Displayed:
**5:36**
